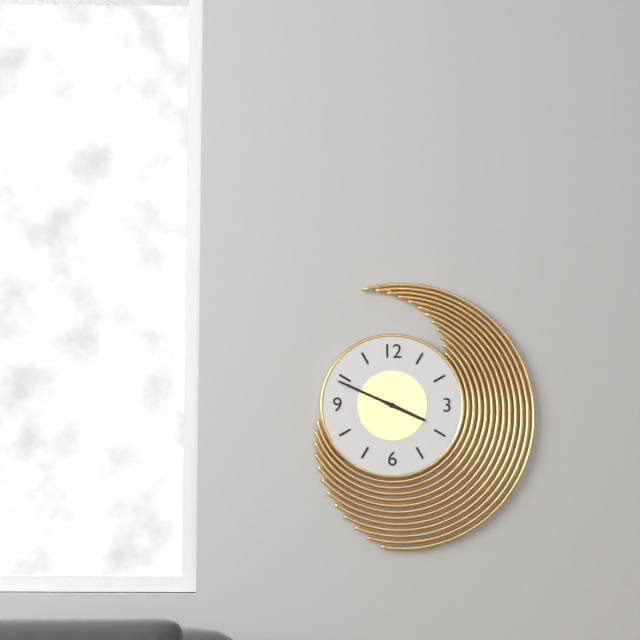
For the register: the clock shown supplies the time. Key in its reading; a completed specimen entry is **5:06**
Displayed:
**3:49**
